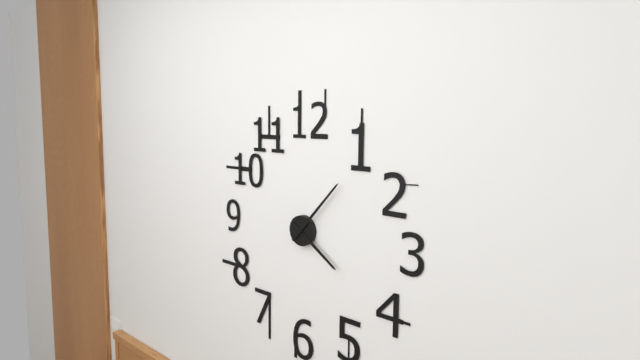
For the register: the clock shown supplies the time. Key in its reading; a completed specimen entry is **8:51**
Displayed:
**4:07**
